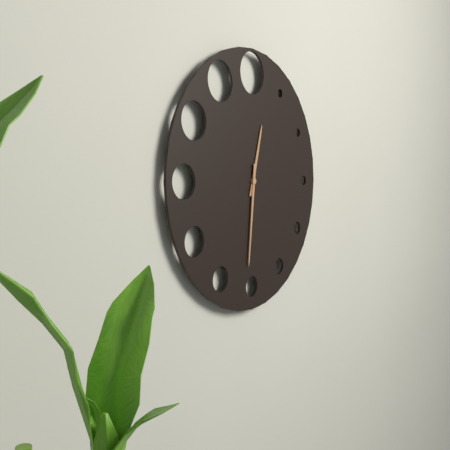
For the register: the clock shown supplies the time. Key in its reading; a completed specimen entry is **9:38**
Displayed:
**12:31**
